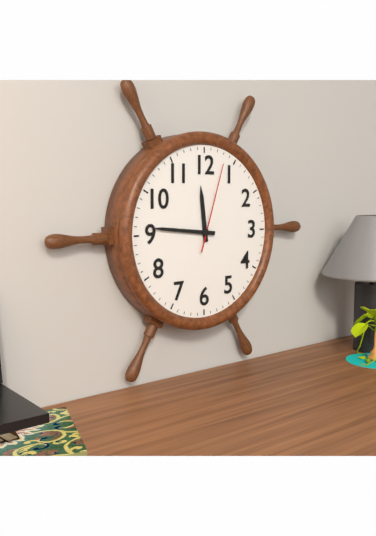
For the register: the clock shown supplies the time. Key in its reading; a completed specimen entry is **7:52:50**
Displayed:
**11:46:03**
